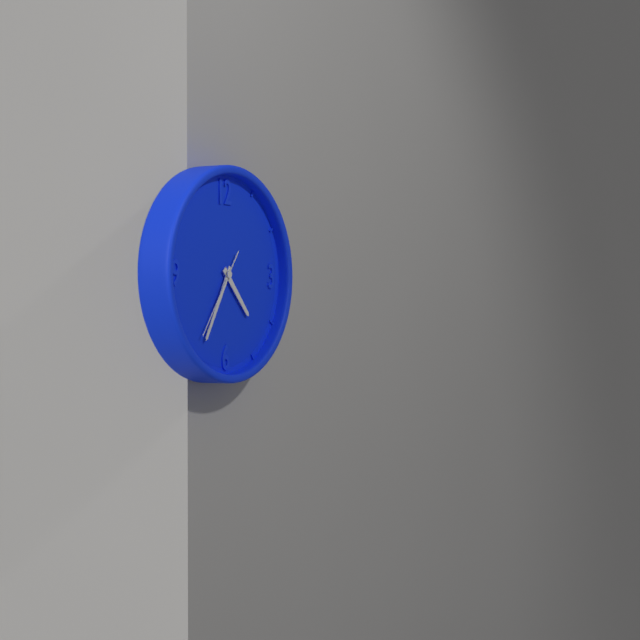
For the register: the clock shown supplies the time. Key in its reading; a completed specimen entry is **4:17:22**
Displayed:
**4:35:36**
